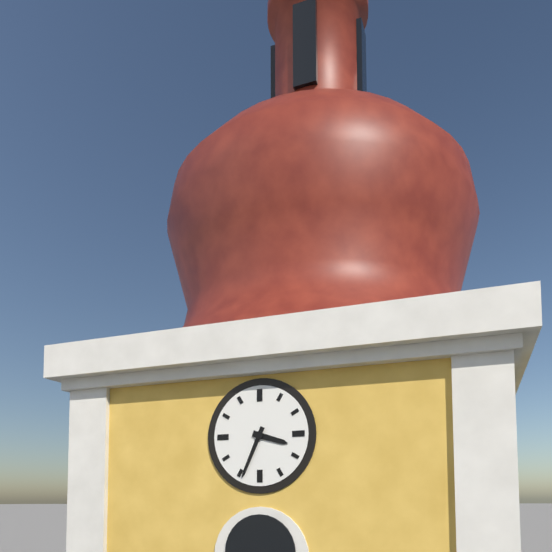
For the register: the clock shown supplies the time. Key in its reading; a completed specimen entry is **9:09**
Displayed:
**3:34**
